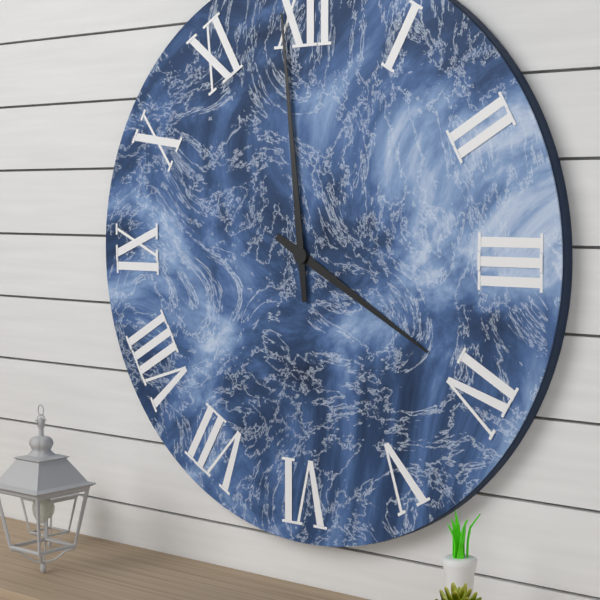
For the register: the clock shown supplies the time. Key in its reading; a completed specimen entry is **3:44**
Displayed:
**3:59**
